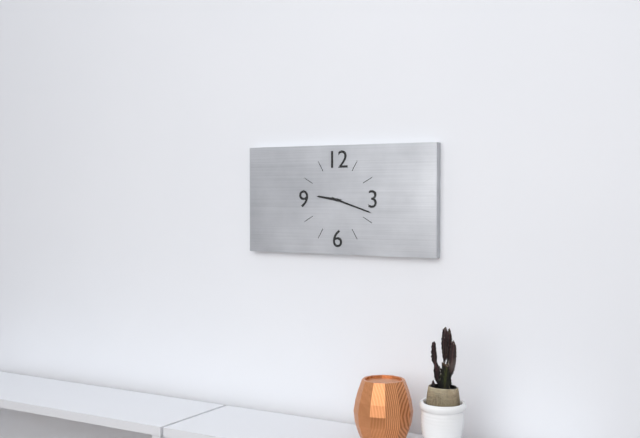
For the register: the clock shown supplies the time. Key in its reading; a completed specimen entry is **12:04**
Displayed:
**9:18**
